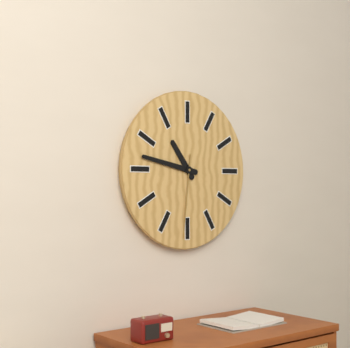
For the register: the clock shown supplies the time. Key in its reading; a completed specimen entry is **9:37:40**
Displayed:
**10:47:31**
